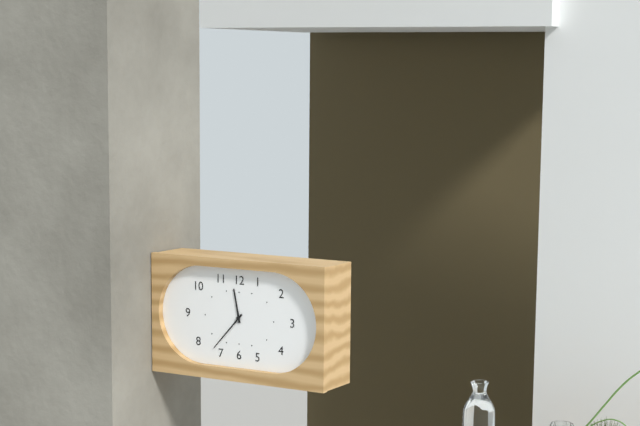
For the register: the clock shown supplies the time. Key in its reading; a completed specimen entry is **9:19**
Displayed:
**11:37**
